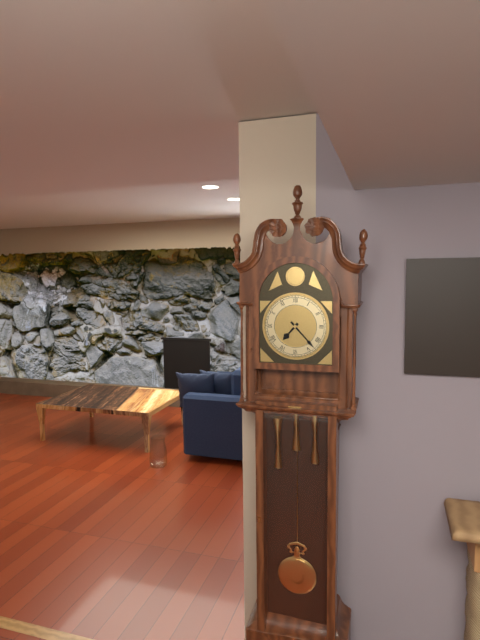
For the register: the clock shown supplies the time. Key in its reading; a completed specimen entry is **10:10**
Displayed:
**7:23**
